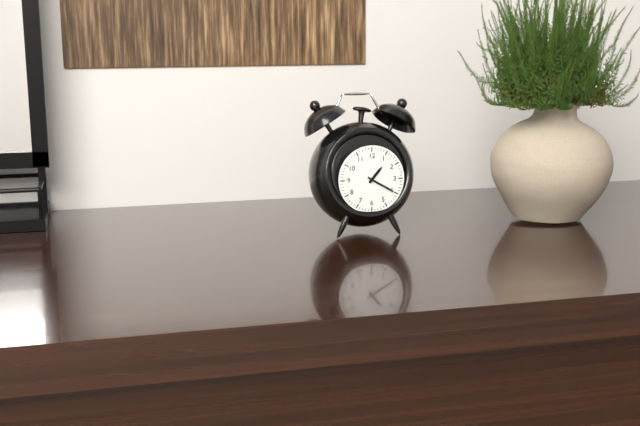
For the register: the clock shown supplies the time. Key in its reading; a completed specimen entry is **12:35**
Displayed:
**1:20**
